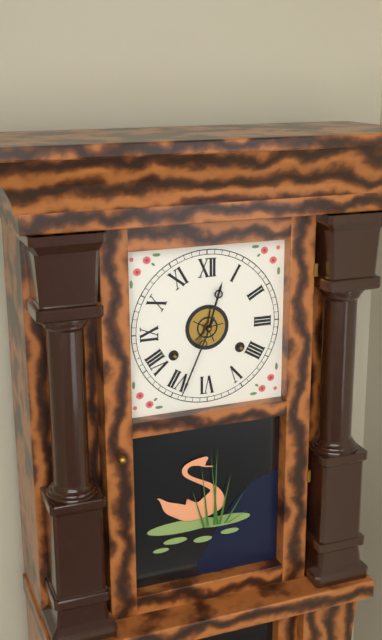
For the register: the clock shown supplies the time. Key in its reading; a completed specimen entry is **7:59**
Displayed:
**12:34**
